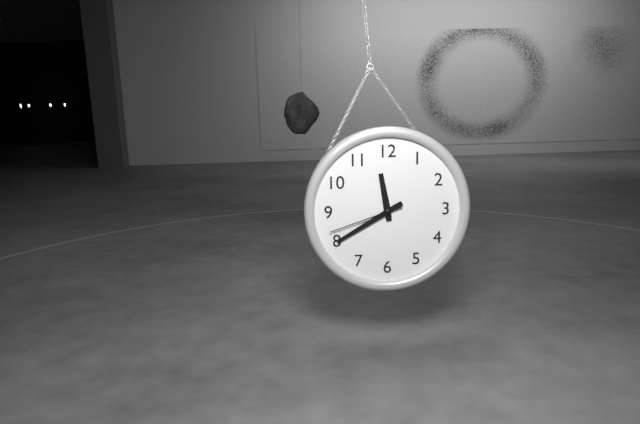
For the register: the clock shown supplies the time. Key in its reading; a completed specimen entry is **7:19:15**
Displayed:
**11:40:42**
